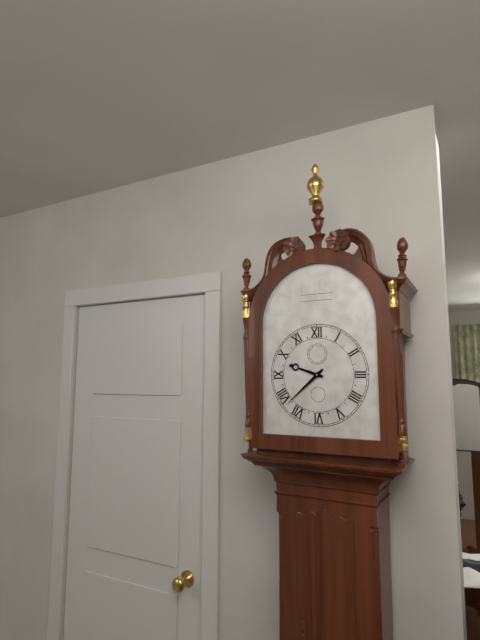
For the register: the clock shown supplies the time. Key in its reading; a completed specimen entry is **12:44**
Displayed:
**9:38**
